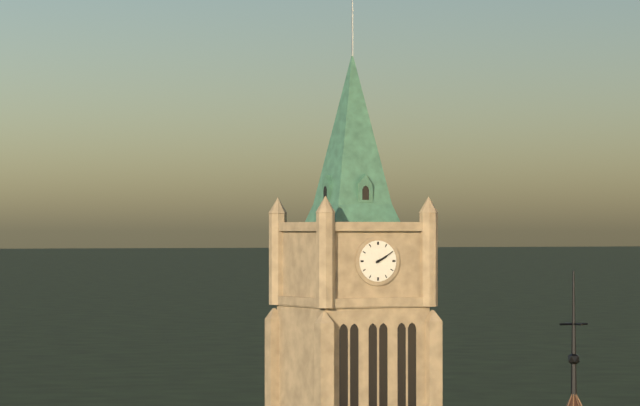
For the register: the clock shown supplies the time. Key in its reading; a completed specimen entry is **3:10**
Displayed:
**2:10**
